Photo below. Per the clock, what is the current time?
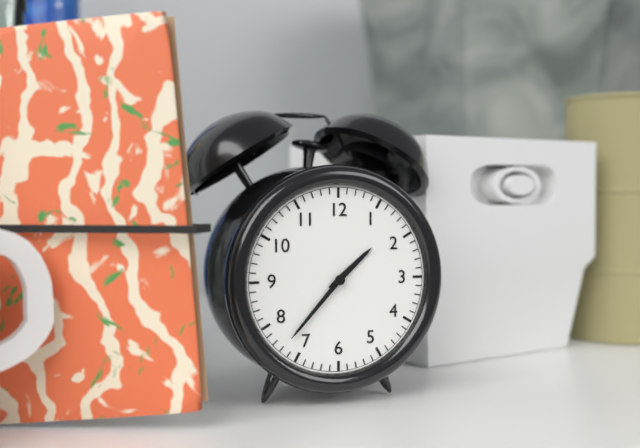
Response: 1:37
